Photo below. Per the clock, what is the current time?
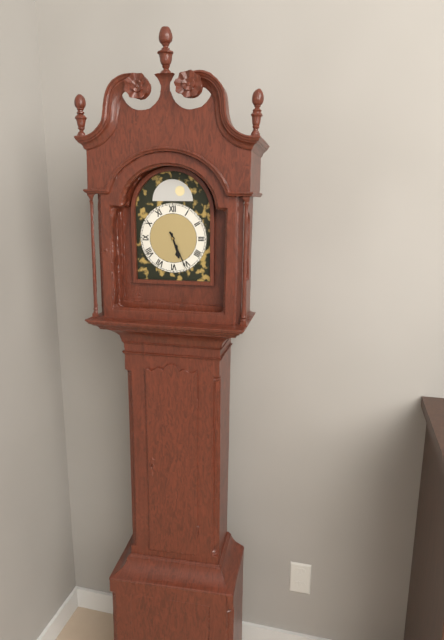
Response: 5:26
